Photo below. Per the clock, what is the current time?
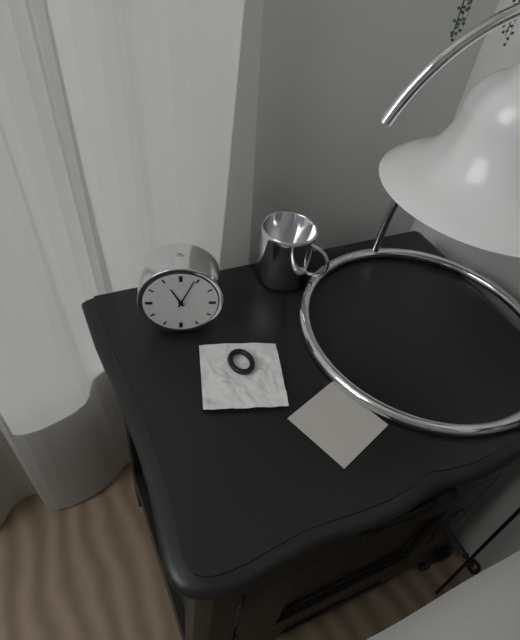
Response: 11:04
